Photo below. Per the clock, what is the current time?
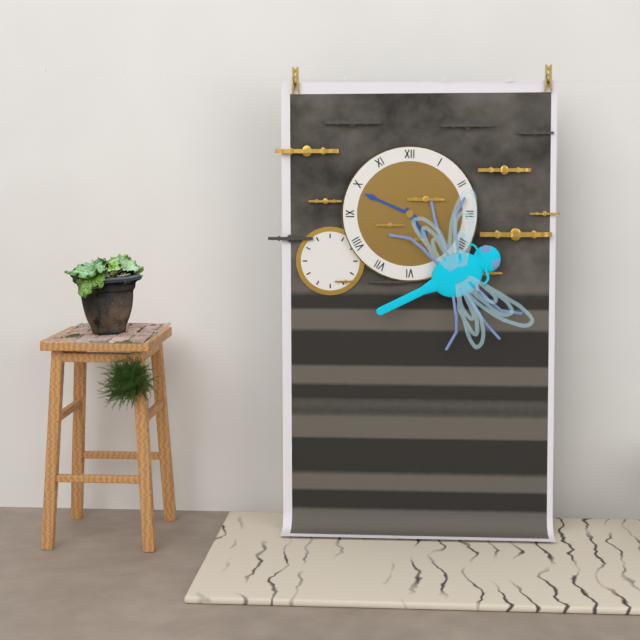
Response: 4:49
